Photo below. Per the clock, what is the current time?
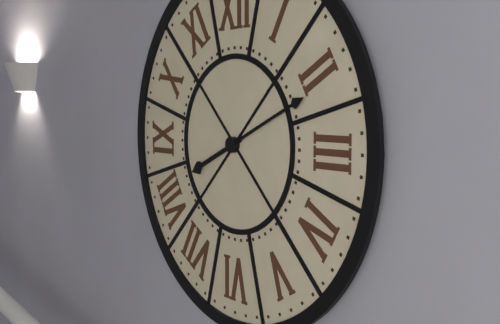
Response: 8:11
